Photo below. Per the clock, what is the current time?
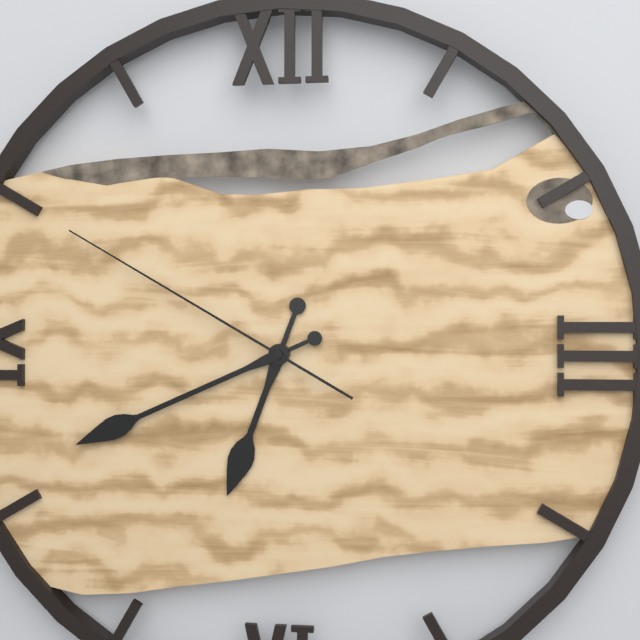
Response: 6:41:50
